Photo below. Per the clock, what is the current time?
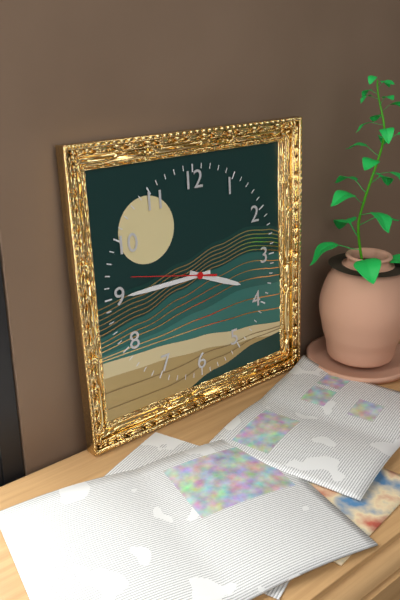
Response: 3:45:47
